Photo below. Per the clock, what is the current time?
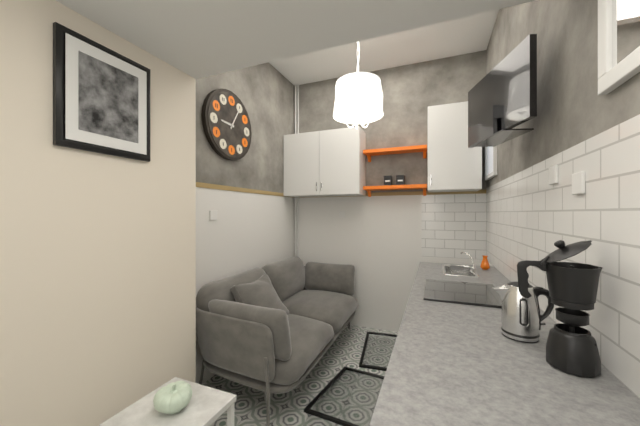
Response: 9:05
